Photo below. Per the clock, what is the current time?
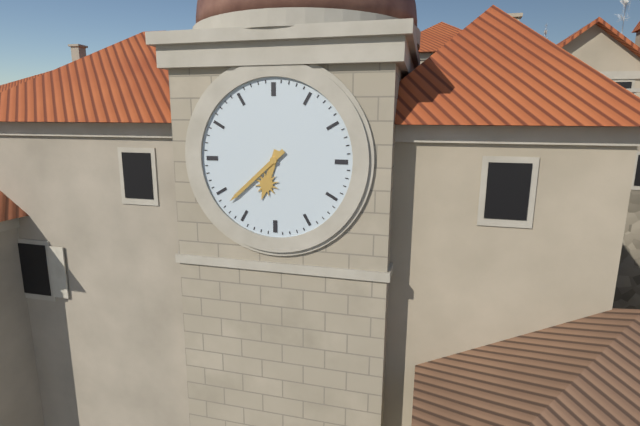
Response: 6:38
